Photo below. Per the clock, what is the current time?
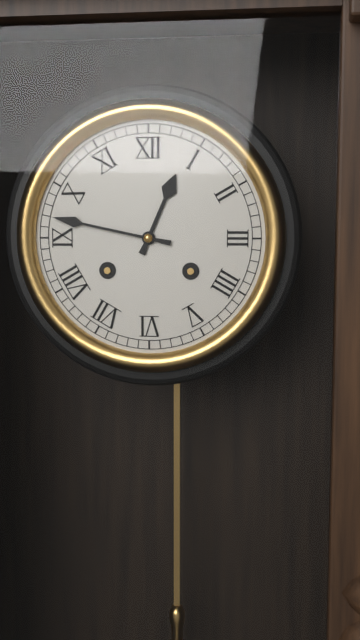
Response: 12:47
